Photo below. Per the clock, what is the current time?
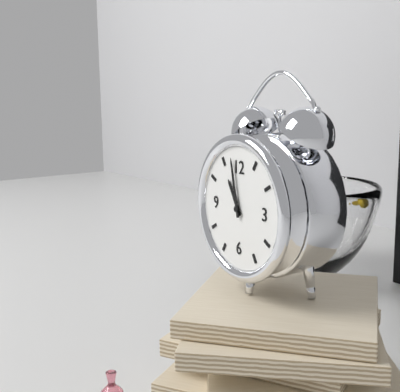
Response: 10:58
